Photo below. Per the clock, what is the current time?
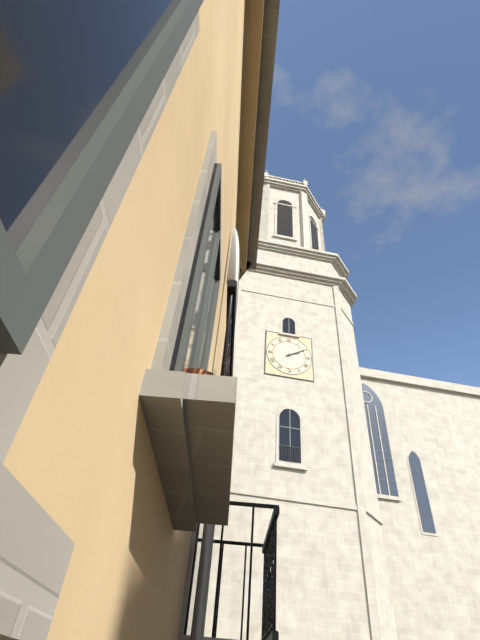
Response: 2:10
